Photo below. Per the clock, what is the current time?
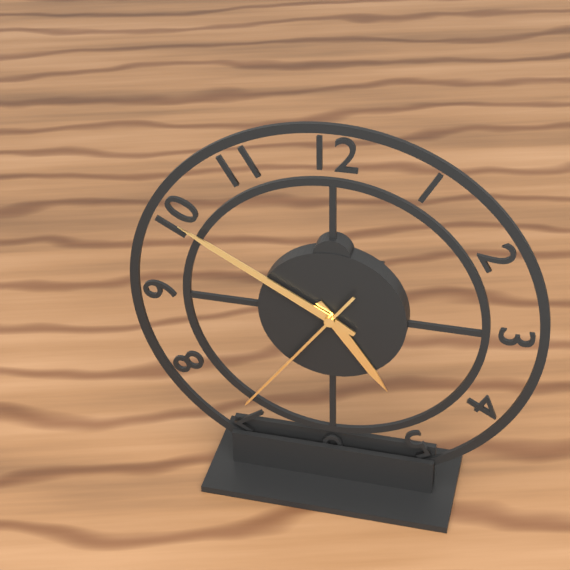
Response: 4:50:36
